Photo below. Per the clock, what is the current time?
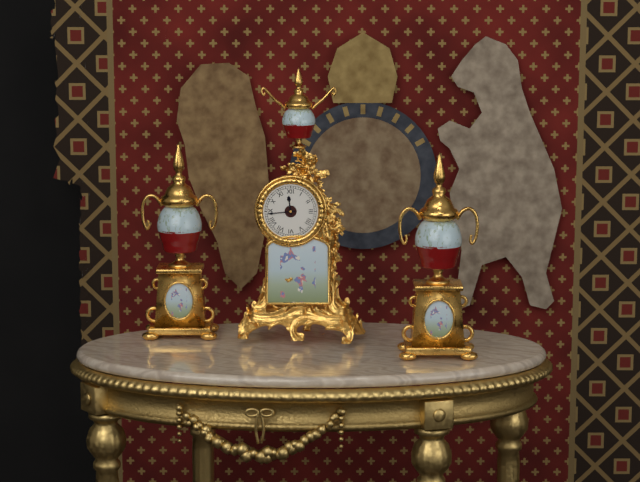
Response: 11:44
